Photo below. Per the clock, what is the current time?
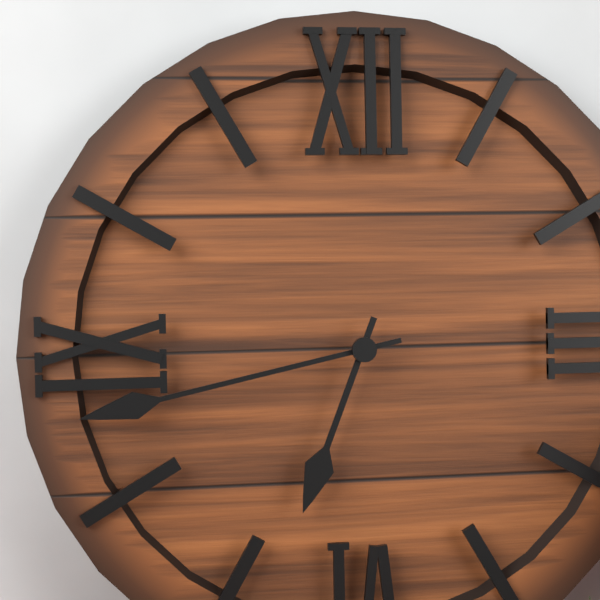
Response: 6:43
